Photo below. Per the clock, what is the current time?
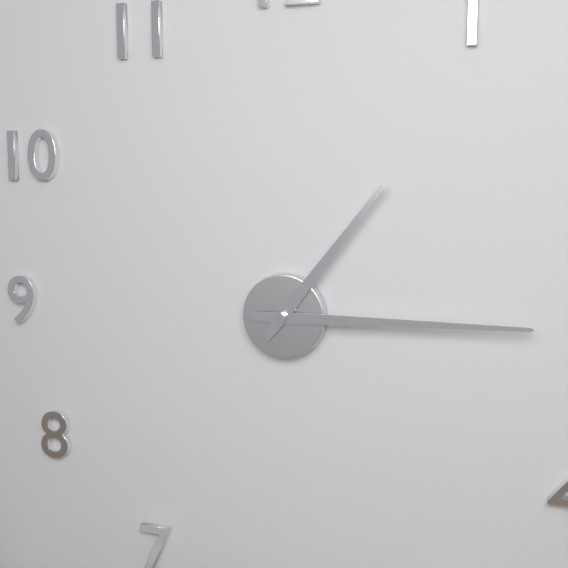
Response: 1:15
